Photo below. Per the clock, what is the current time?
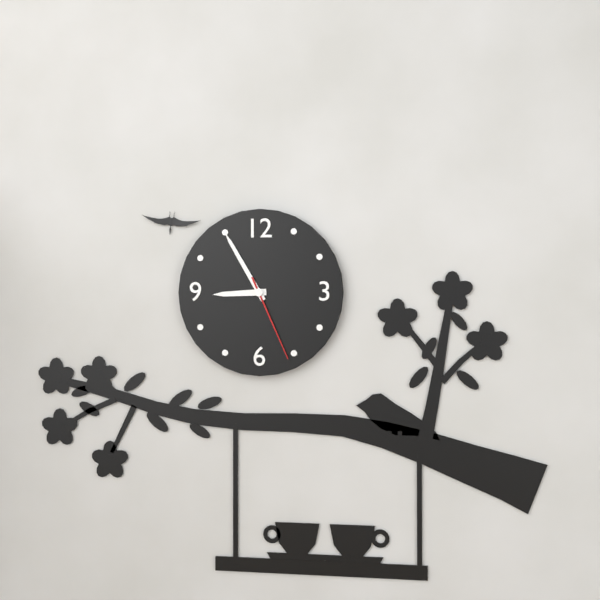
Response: 8:55:26
